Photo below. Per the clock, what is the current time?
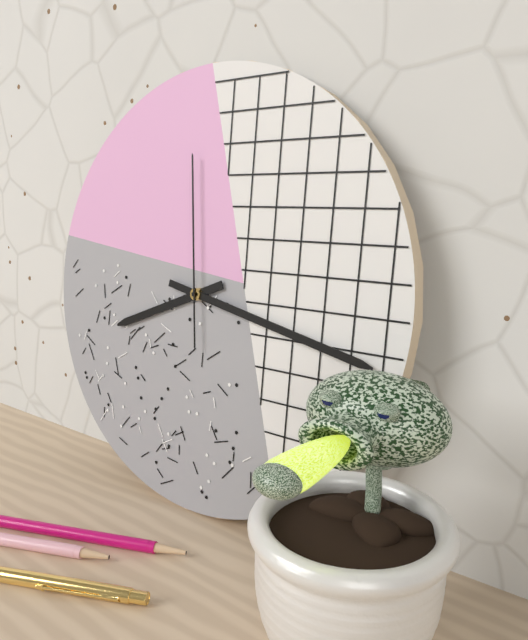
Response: 8:17:59
